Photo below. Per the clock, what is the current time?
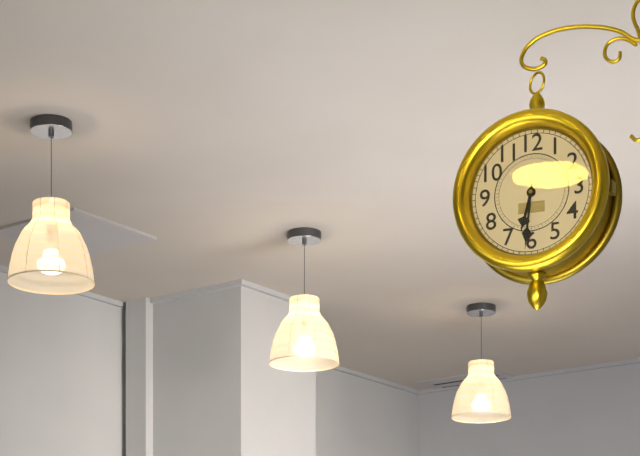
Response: 6:31
